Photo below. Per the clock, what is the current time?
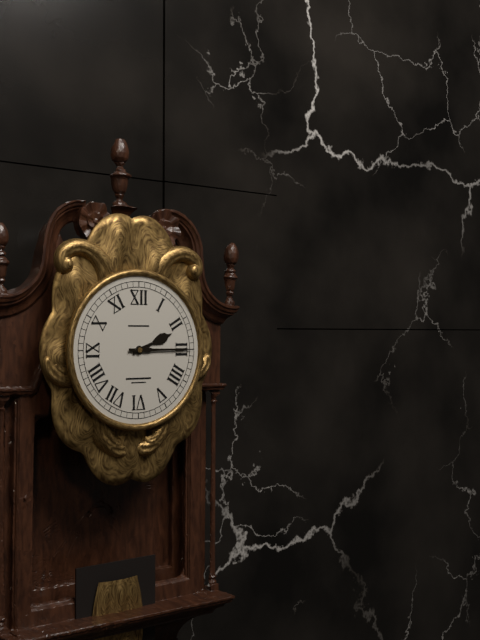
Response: 2:15
